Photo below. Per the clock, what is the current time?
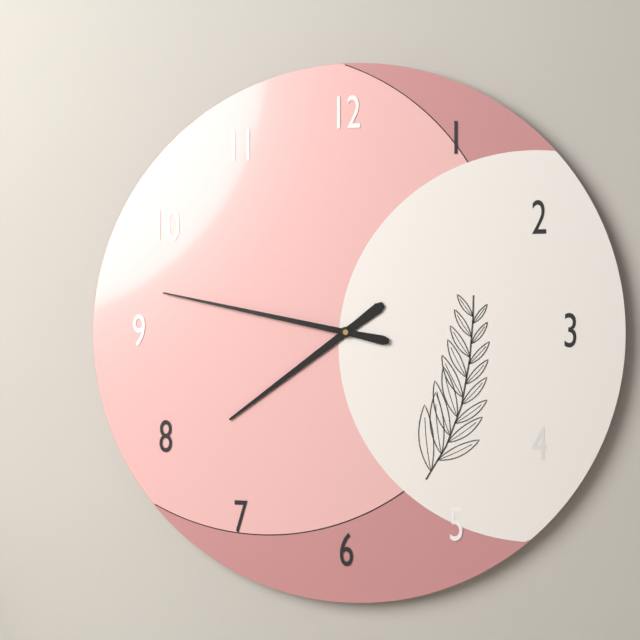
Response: 7:47
